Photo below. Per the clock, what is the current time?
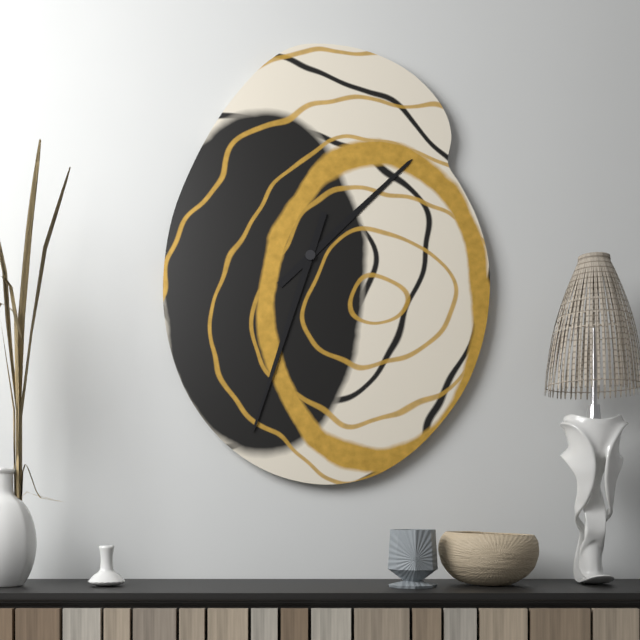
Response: 1:33
